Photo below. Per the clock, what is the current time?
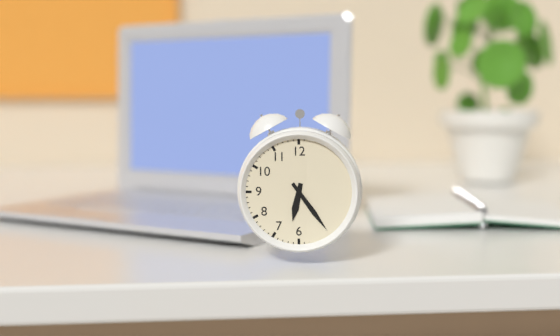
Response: 6:24
